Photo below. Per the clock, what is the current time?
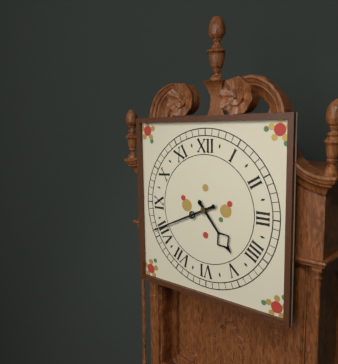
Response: 4:41
